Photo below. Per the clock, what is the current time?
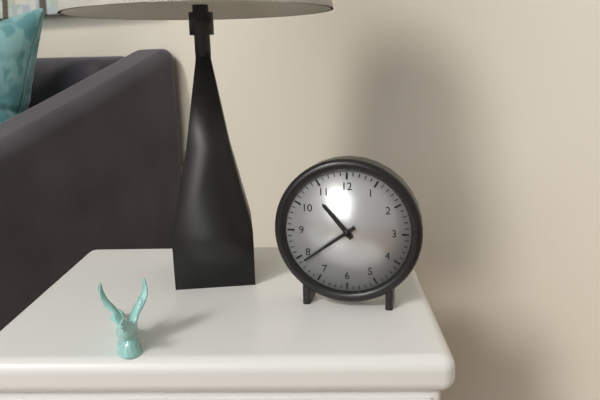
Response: 10:39
